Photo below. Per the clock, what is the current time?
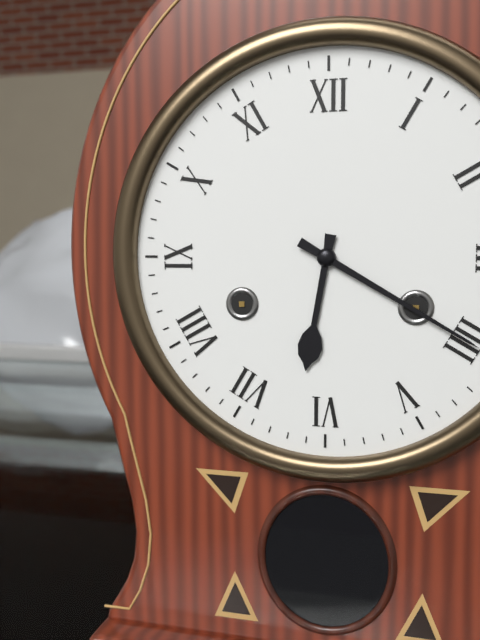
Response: 6:20
